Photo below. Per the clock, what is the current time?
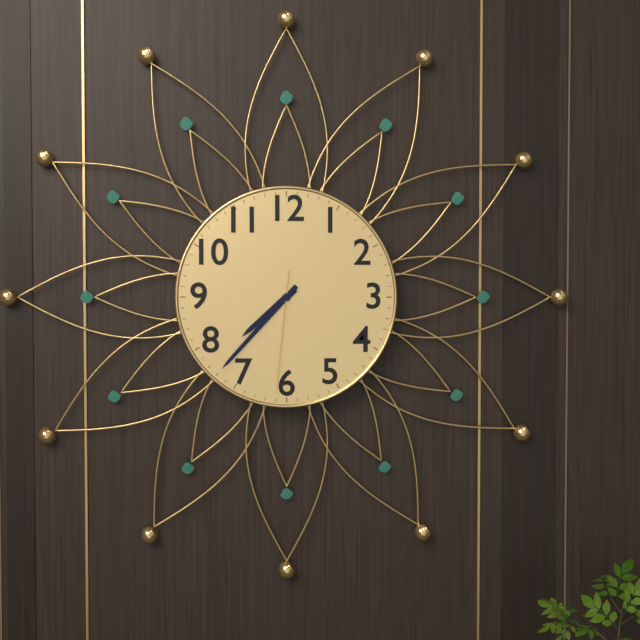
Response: 7:37:31
